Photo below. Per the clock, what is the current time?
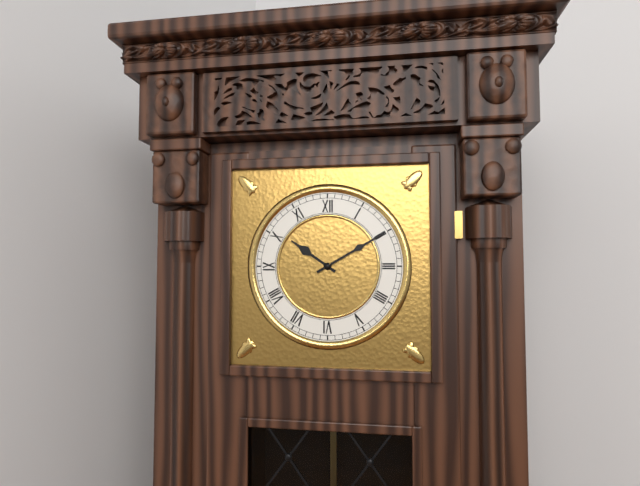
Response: 10:10
